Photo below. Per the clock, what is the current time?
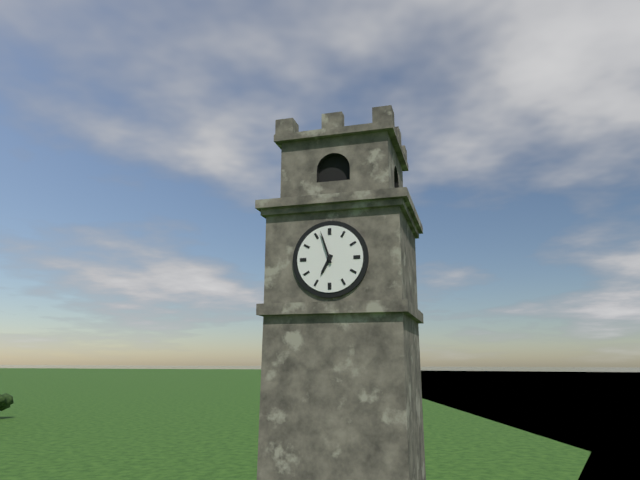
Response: 6:57
